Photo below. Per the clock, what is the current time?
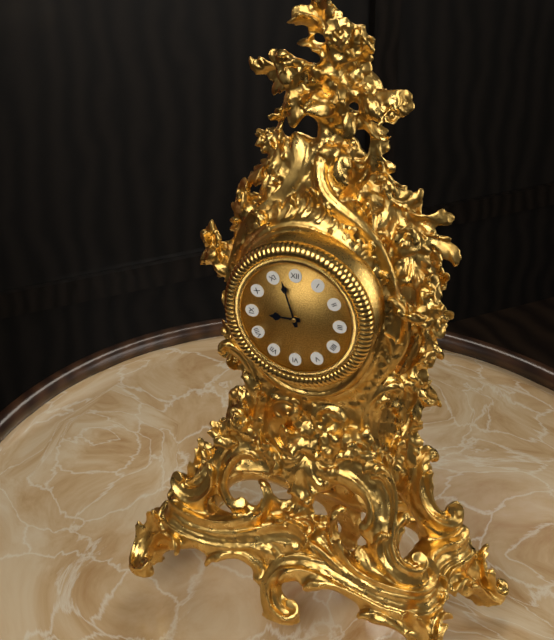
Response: 8:57
